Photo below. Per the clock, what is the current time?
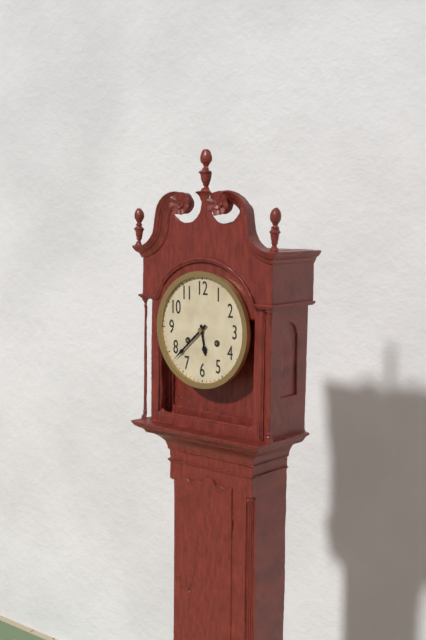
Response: 5:38
